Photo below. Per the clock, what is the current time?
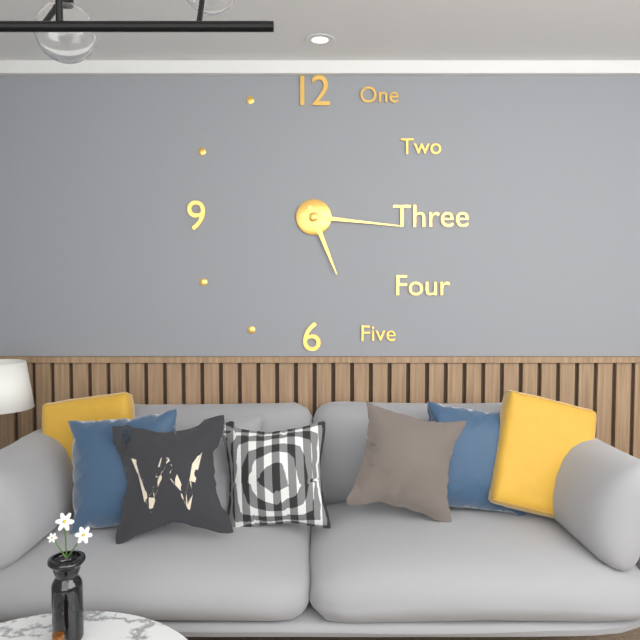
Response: 5:16
